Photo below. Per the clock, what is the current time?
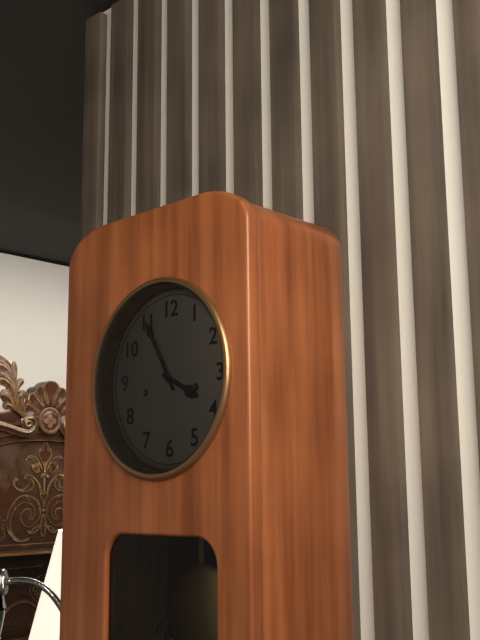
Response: 3:55
